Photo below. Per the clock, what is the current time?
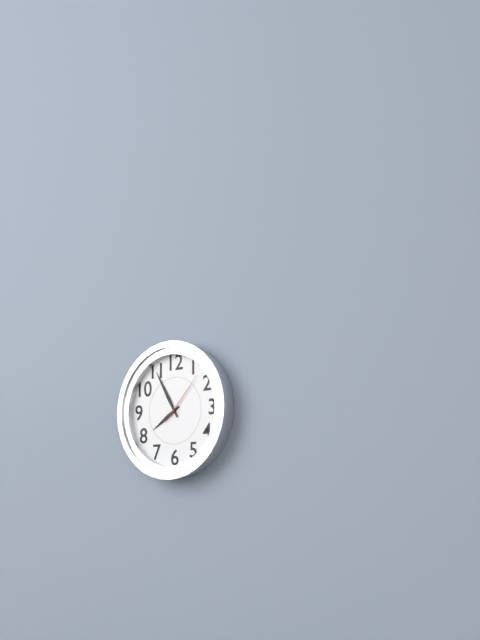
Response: 7:55:07
